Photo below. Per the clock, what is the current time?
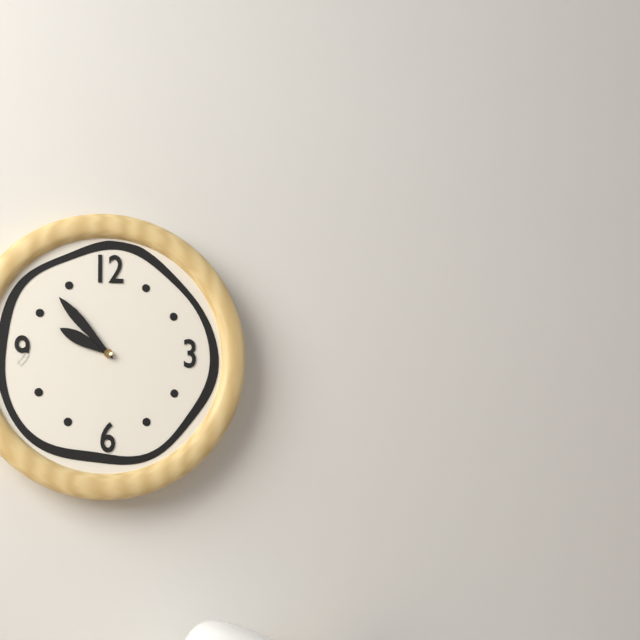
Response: 9:53
